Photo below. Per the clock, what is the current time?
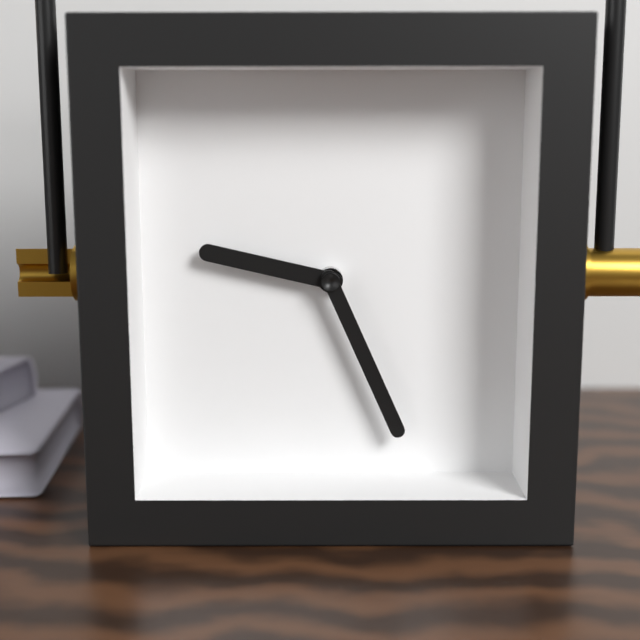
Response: 9:26
